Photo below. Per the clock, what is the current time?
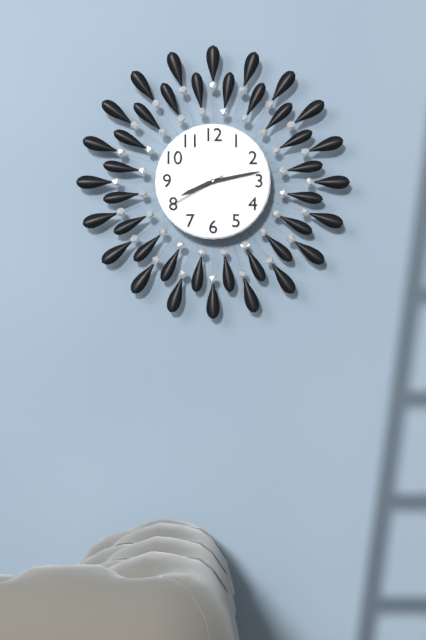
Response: 8:13:40
